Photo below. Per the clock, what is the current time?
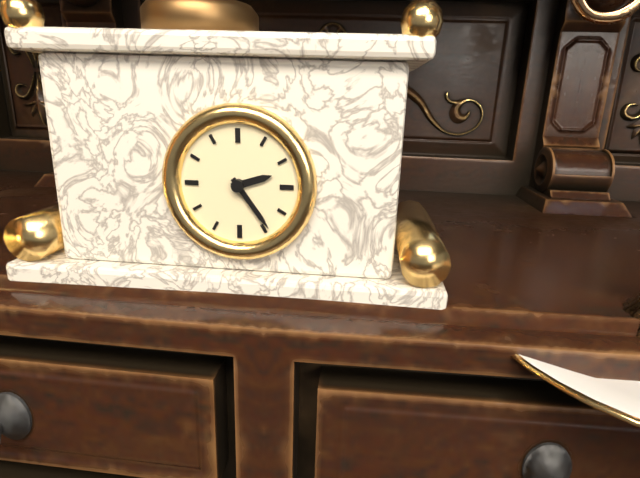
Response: 2:24
